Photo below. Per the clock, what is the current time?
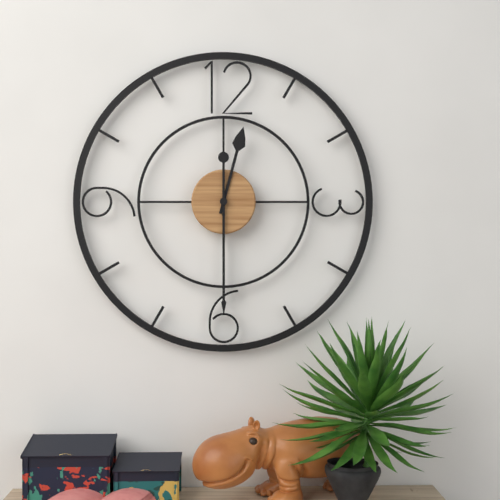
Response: 12:30
